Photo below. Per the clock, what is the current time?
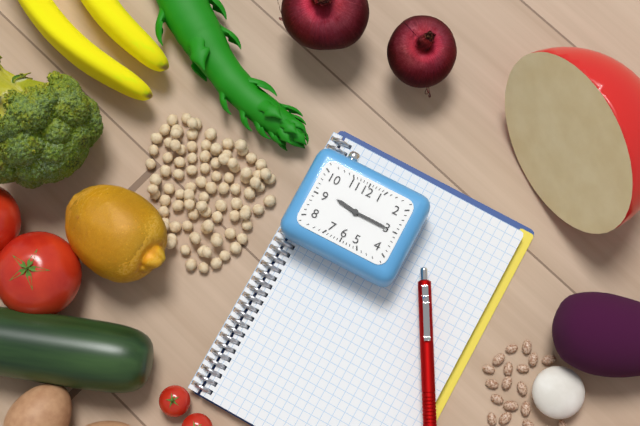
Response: 9:15
